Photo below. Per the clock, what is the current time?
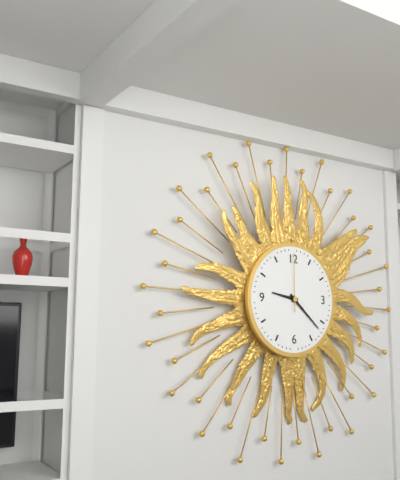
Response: 9:22:00
